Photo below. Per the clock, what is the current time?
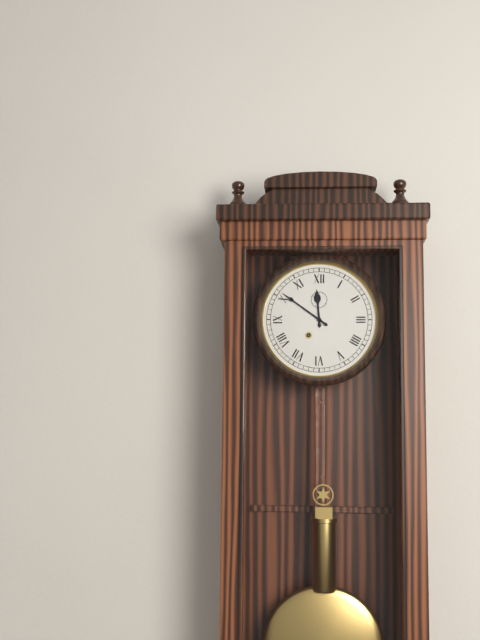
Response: 11:51
